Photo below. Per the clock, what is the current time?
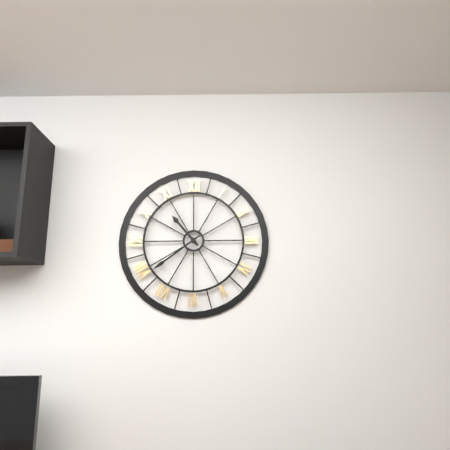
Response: 10:39
